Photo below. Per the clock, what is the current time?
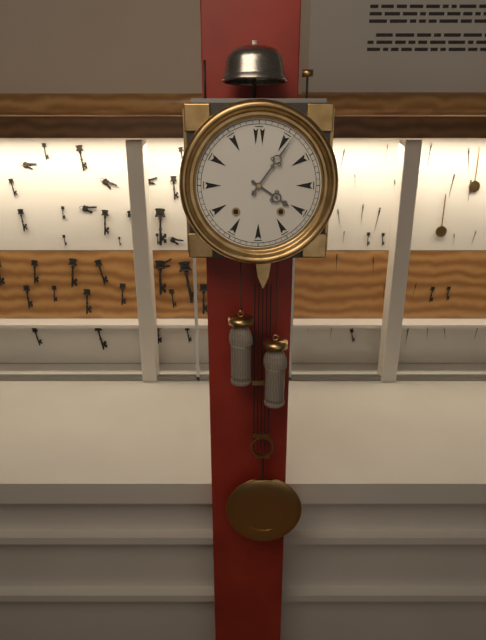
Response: 4:06
